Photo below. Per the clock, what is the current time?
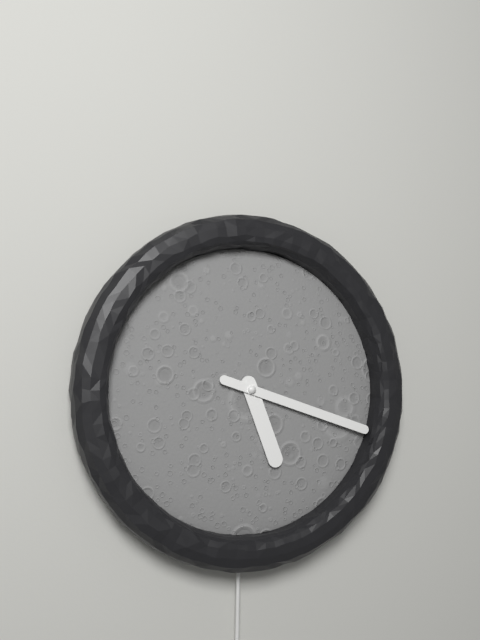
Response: 5:18
